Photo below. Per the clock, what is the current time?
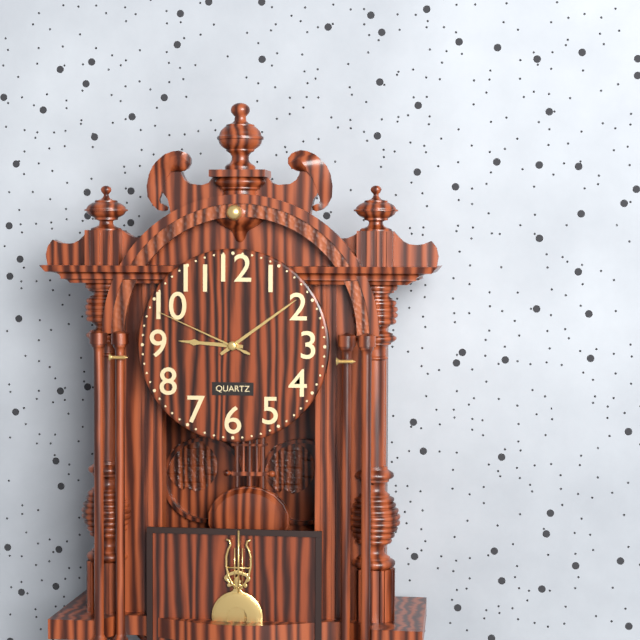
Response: 9:09:49
